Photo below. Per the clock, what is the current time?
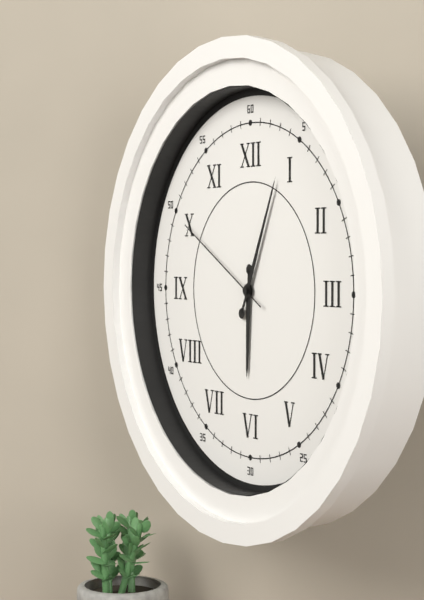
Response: 6:04:50
